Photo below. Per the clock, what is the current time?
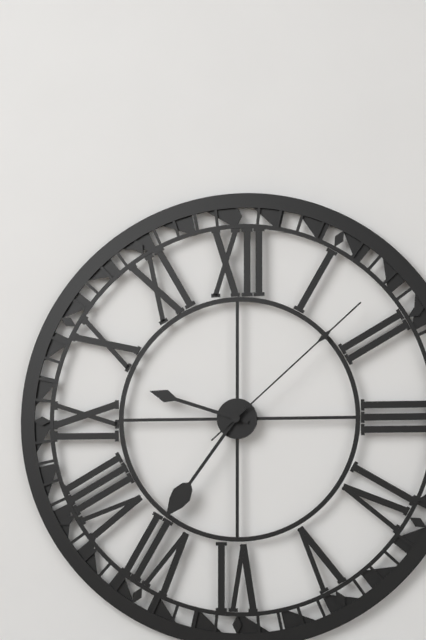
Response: 9:36:08
